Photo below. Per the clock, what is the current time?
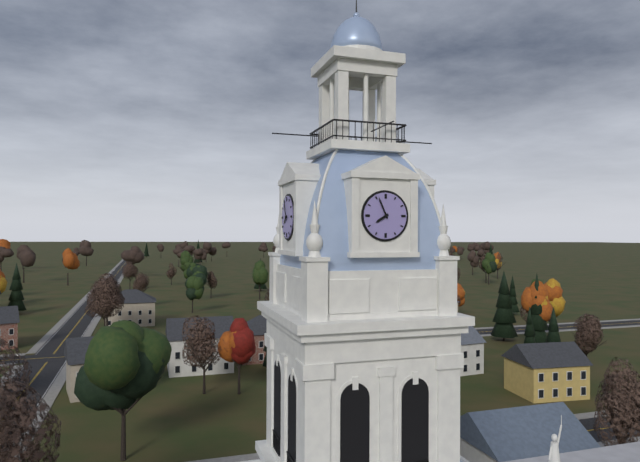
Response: 7:56
